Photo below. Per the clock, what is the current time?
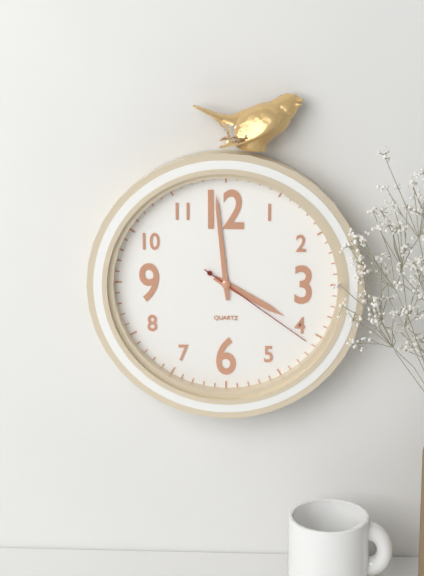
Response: 3:59:21
